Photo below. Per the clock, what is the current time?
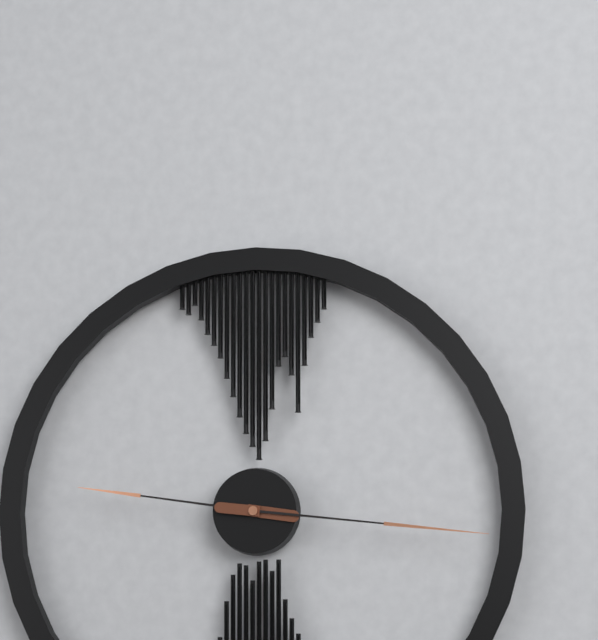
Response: 9:16
